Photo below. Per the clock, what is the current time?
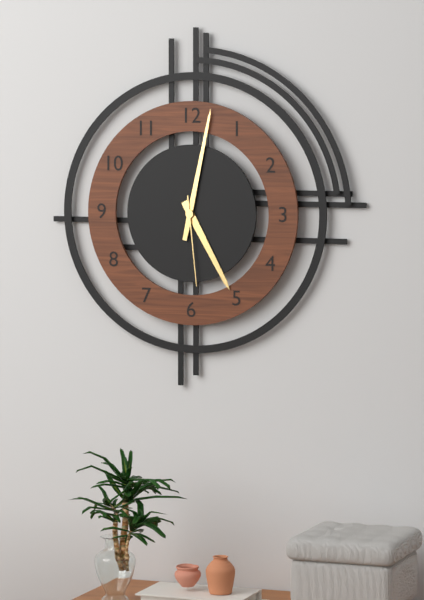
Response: 5:02:29
